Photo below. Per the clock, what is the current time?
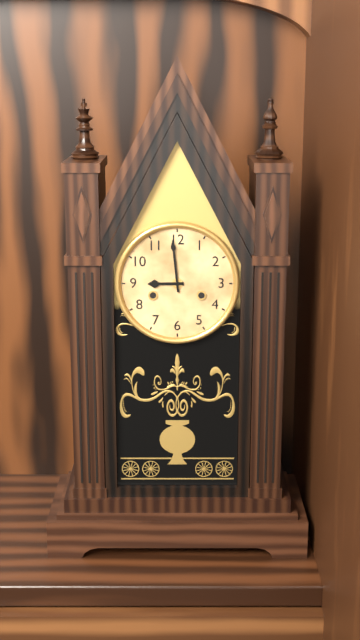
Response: 8:59
